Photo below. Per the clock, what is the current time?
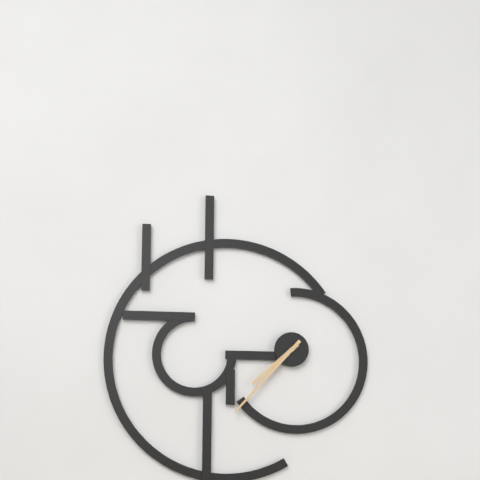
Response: 7:37
